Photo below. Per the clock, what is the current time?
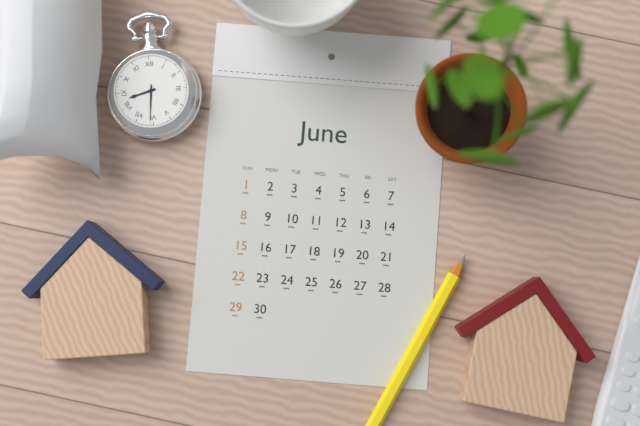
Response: 8:31
